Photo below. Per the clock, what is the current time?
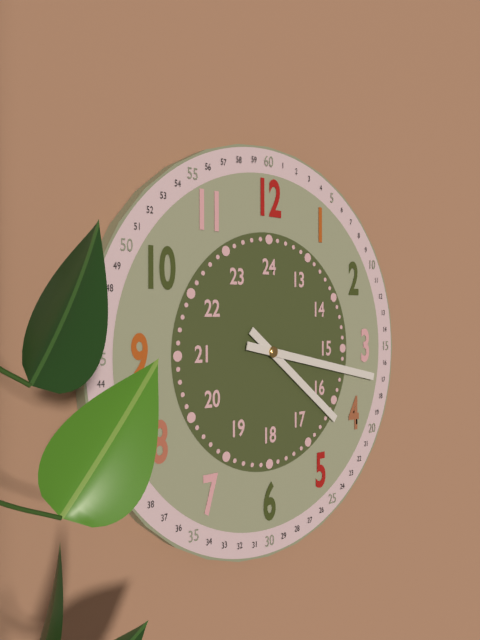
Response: 4:17
